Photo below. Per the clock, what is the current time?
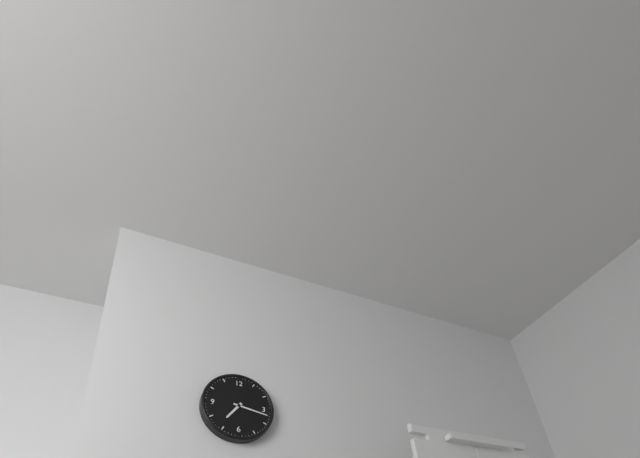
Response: 7:17
